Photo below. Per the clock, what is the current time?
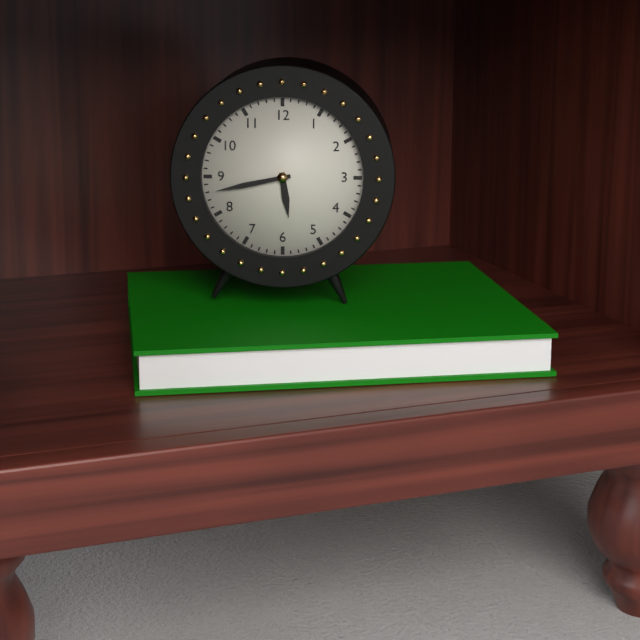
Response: 5:43
